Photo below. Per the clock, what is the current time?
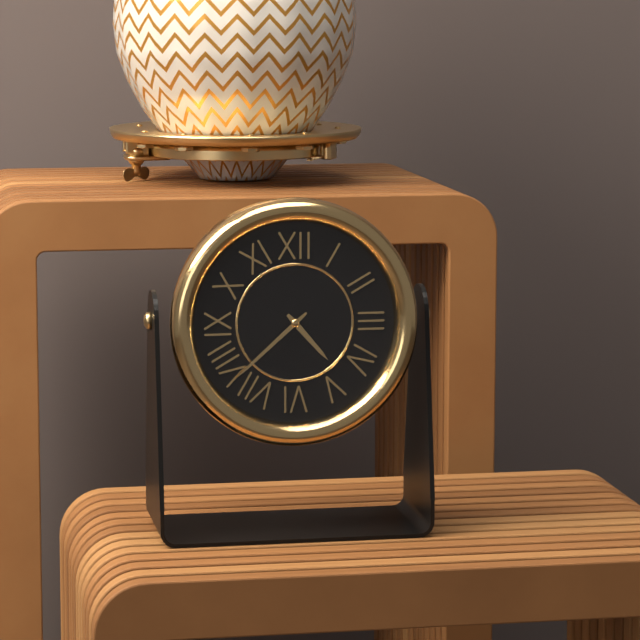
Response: 4:38
